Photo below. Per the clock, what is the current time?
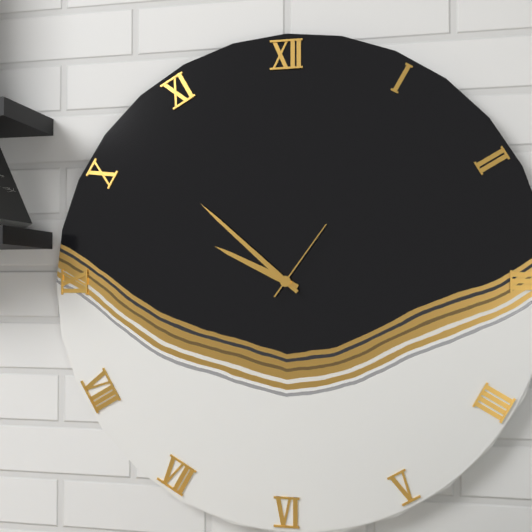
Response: 9:52:06
